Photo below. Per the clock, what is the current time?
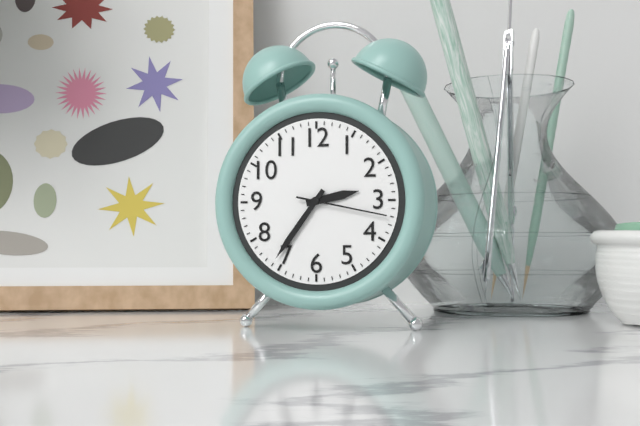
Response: 2:36:17
